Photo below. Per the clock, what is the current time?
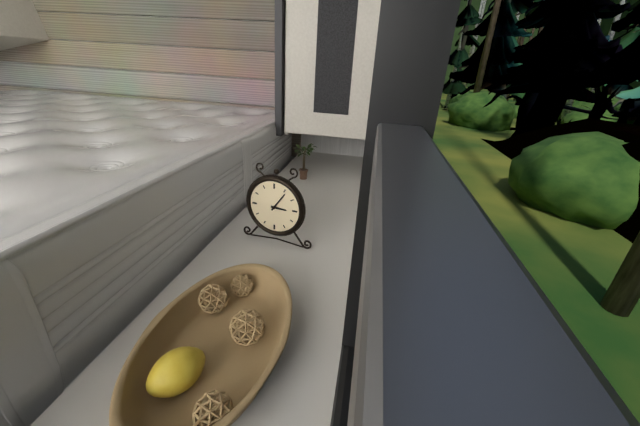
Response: 3:06
